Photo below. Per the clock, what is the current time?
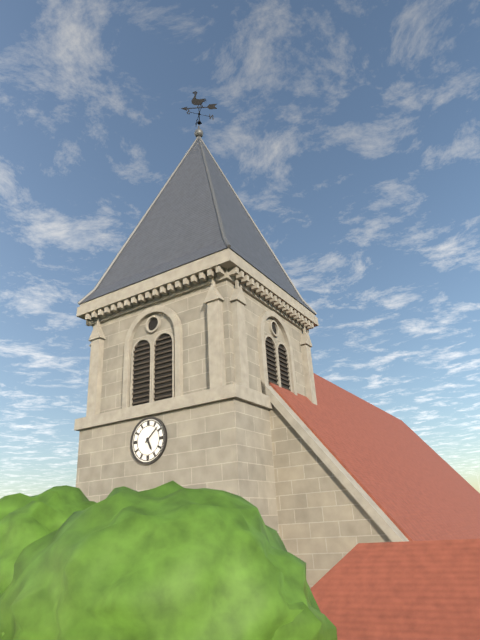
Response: 5:08
